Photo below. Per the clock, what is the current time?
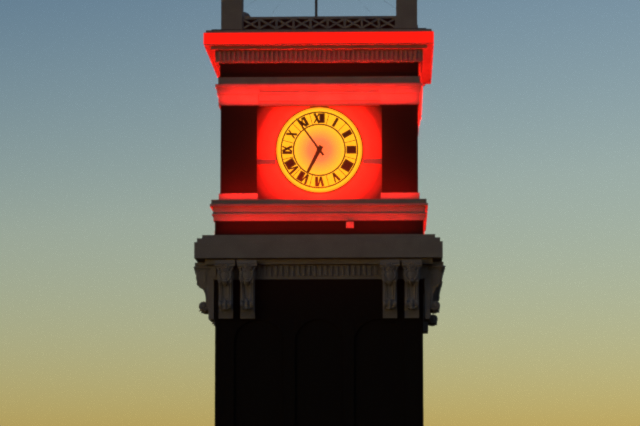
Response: 6:54
